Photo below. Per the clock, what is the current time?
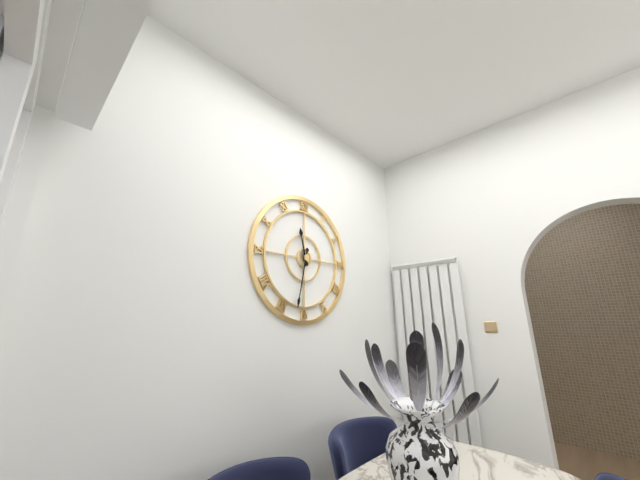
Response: 11:32
